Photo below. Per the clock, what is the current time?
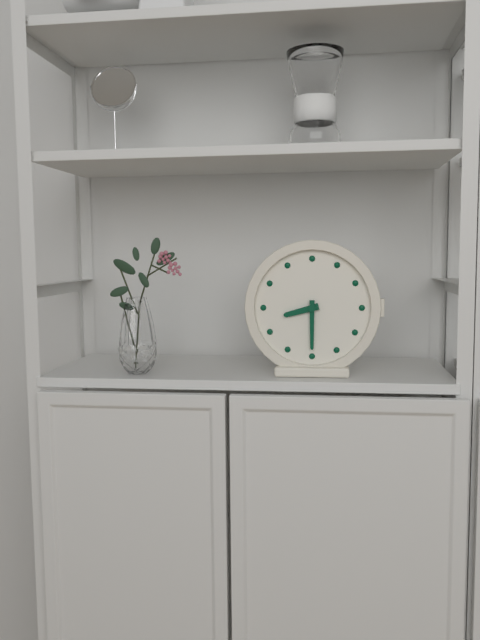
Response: 8:30
